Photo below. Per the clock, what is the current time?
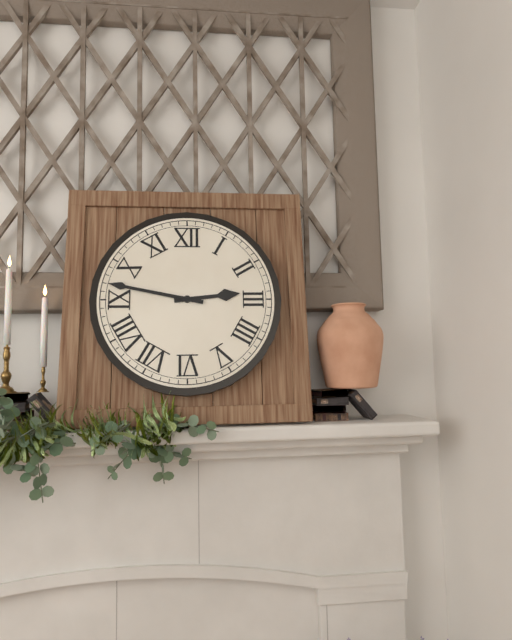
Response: 2:47
